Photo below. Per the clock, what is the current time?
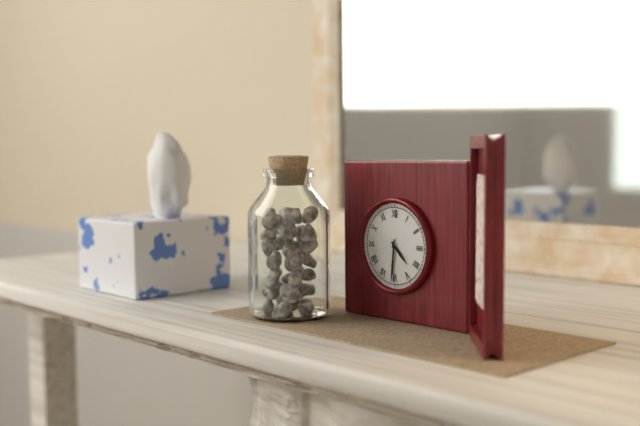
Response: 4:31
